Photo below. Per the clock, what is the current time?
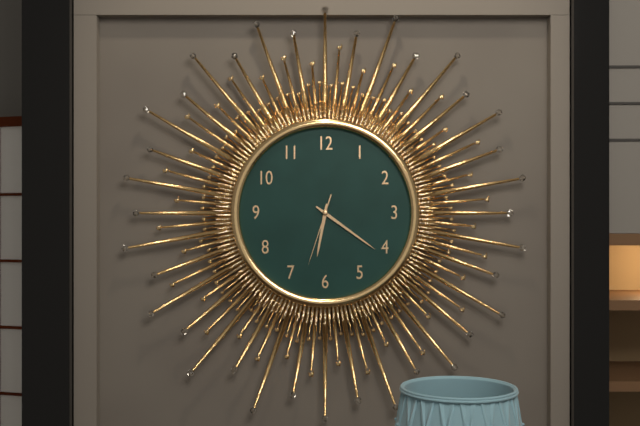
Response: 6:21:33
